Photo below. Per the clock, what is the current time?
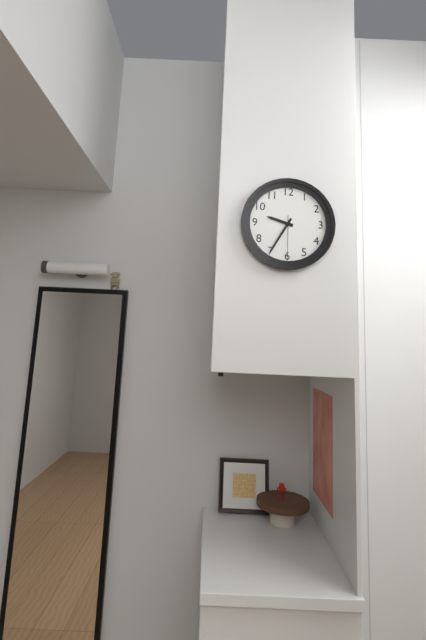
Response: 9:35
